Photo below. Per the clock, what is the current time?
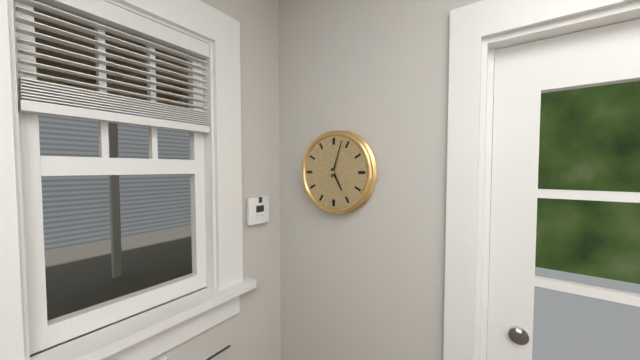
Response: 5:03
